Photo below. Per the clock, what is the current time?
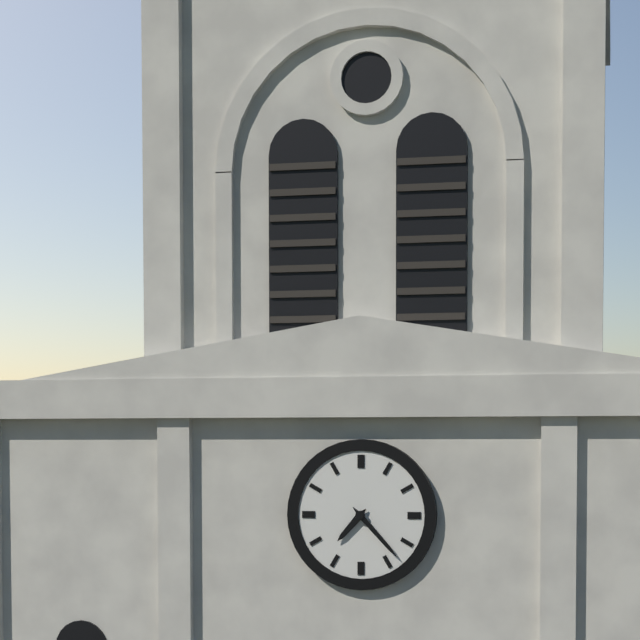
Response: 7:23
